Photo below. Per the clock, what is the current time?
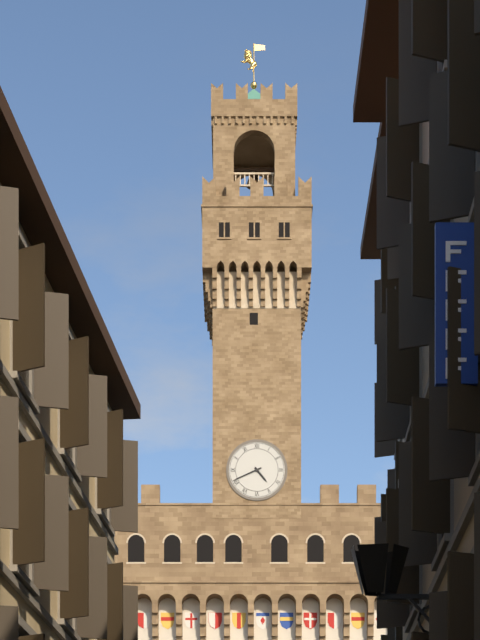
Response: 4:41
